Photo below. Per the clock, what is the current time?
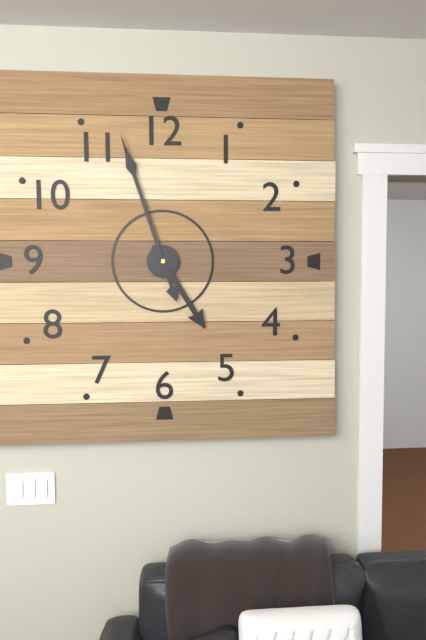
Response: 4:57
